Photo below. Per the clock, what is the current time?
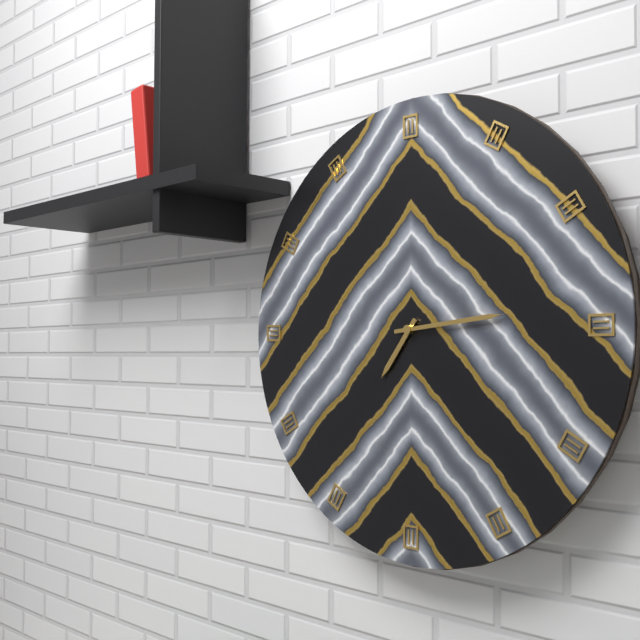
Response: 7:14
